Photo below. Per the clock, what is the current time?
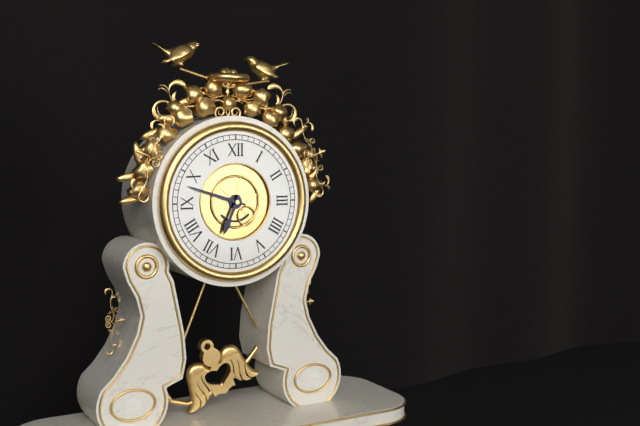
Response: 6:48
